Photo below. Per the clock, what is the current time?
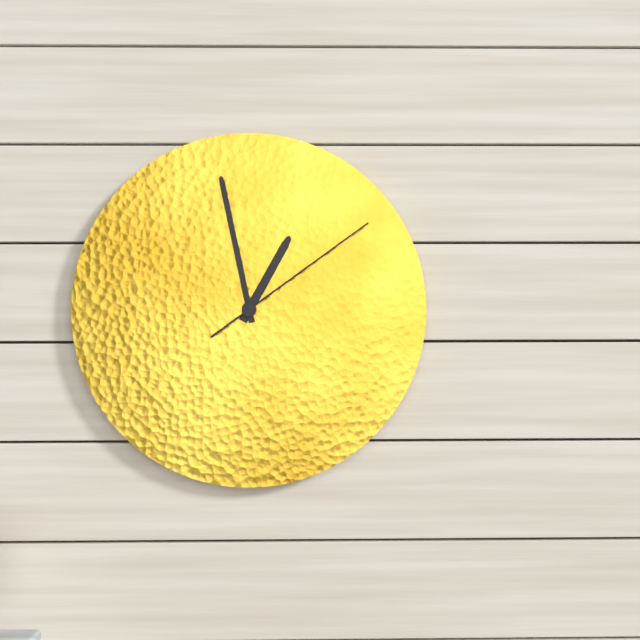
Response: 12:58:09
